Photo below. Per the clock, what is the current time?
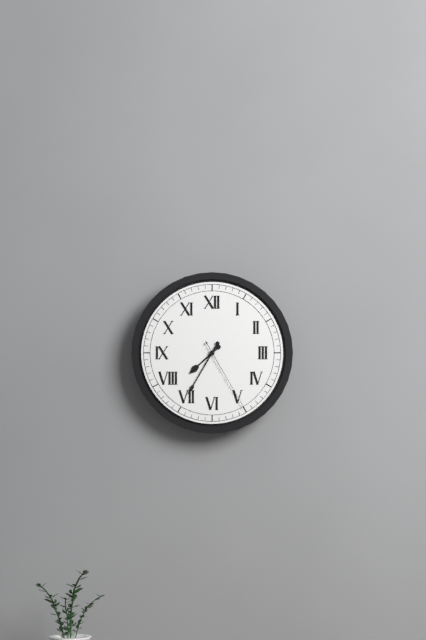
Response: 7:35:25
